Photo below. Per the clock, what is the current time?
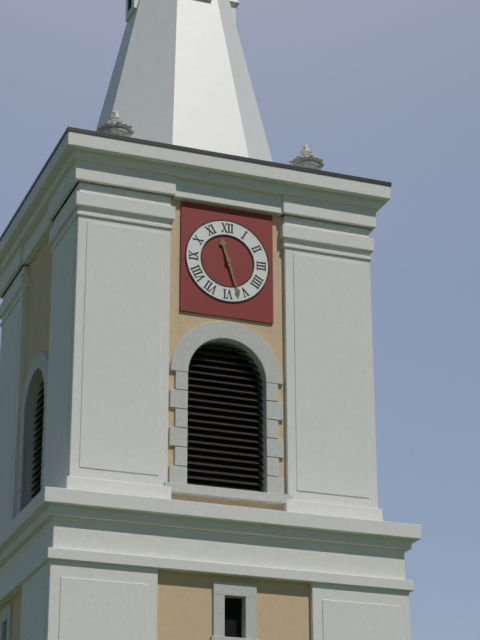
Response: 11:27
